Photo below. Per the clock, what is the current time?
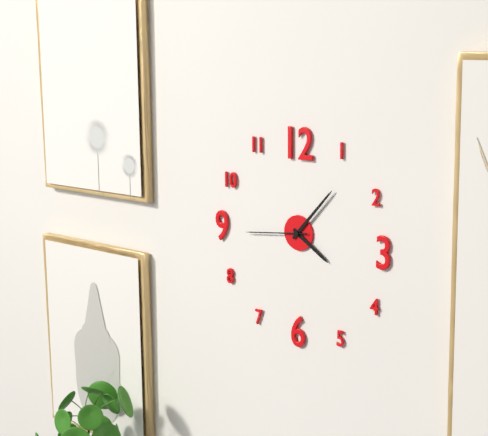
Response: 4:07:44
